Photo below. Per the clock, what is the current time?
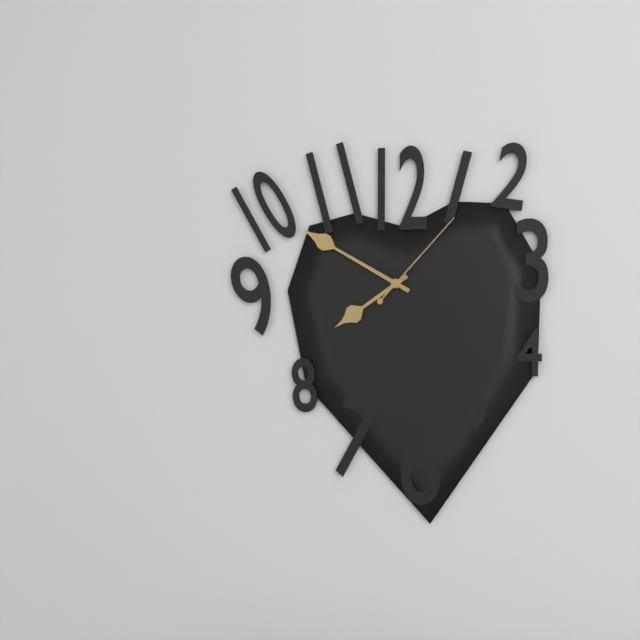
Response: 7:50:07
